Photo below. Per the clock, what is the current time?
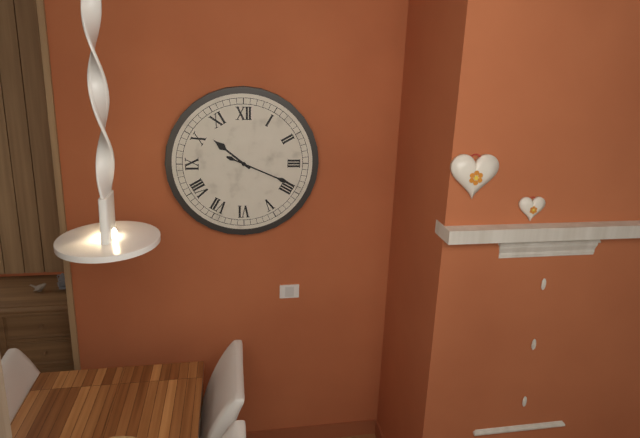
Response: 10:19
